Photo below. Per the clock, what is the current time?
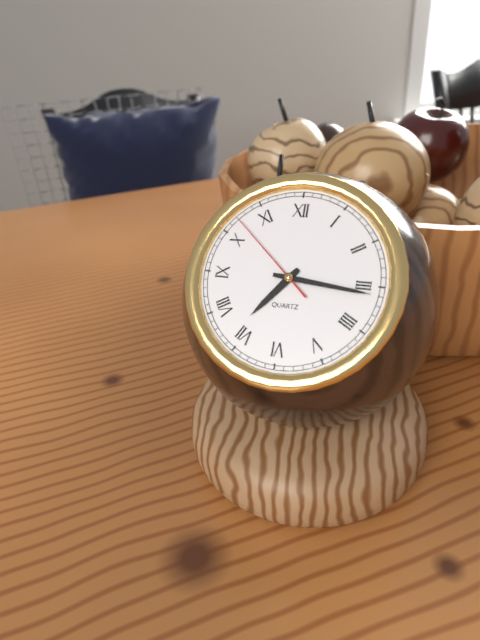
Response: 7:16:52
